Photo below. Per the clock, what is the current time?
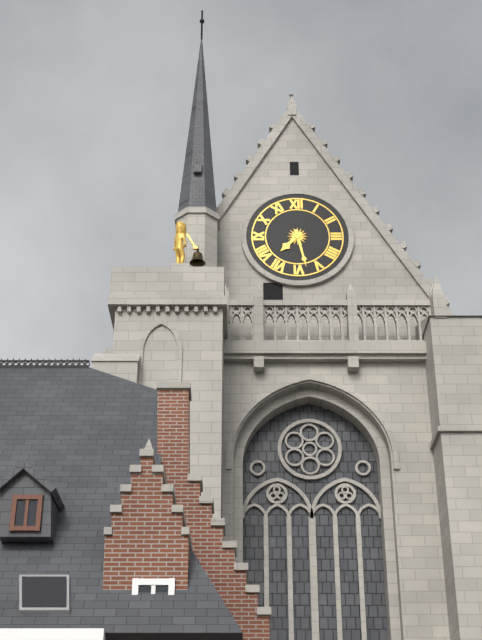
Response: 7:28
